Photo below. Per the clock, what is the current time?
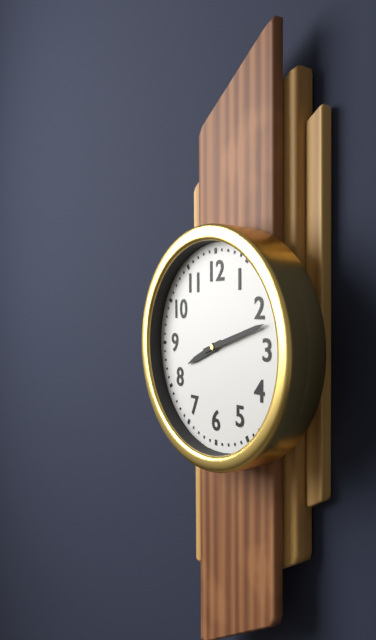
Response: 8:12
